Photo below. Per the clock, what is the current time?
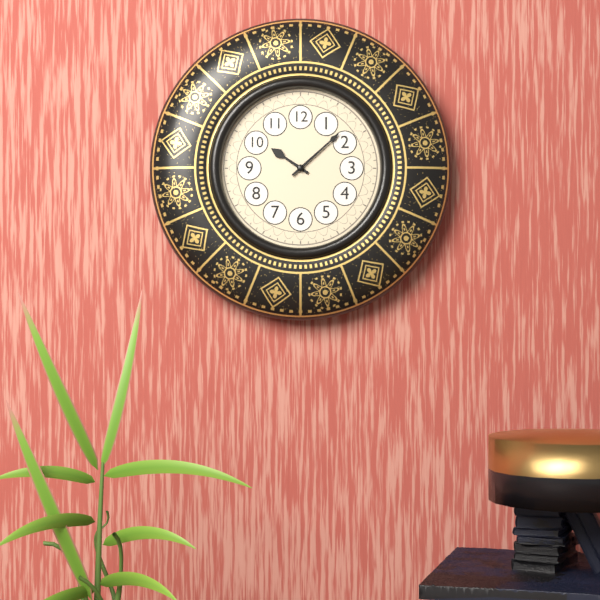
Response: 10:08
